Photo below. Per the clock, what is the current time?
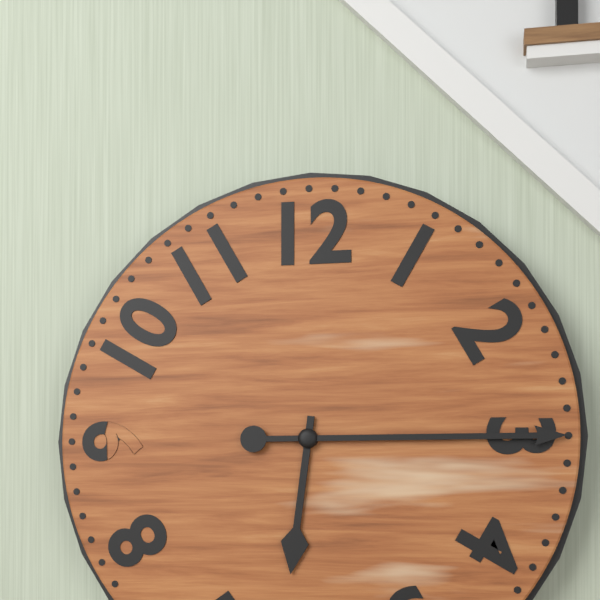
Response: 6:15
